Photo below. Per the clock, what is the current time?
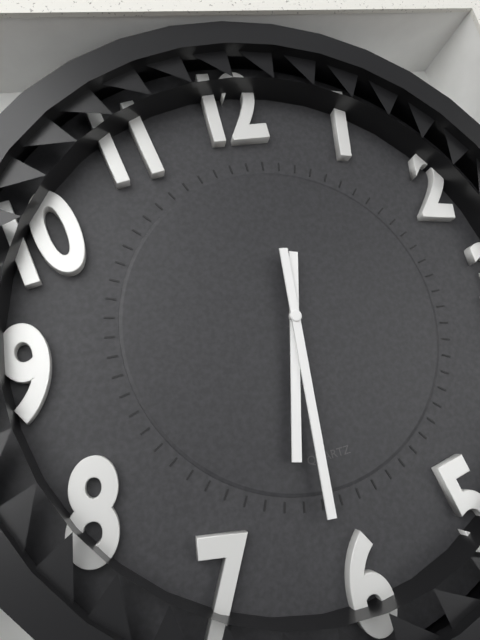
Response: 6:31
